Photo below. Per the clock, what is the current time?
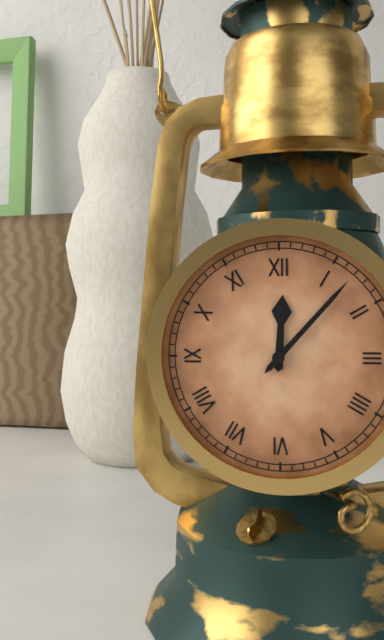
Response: 12:07
